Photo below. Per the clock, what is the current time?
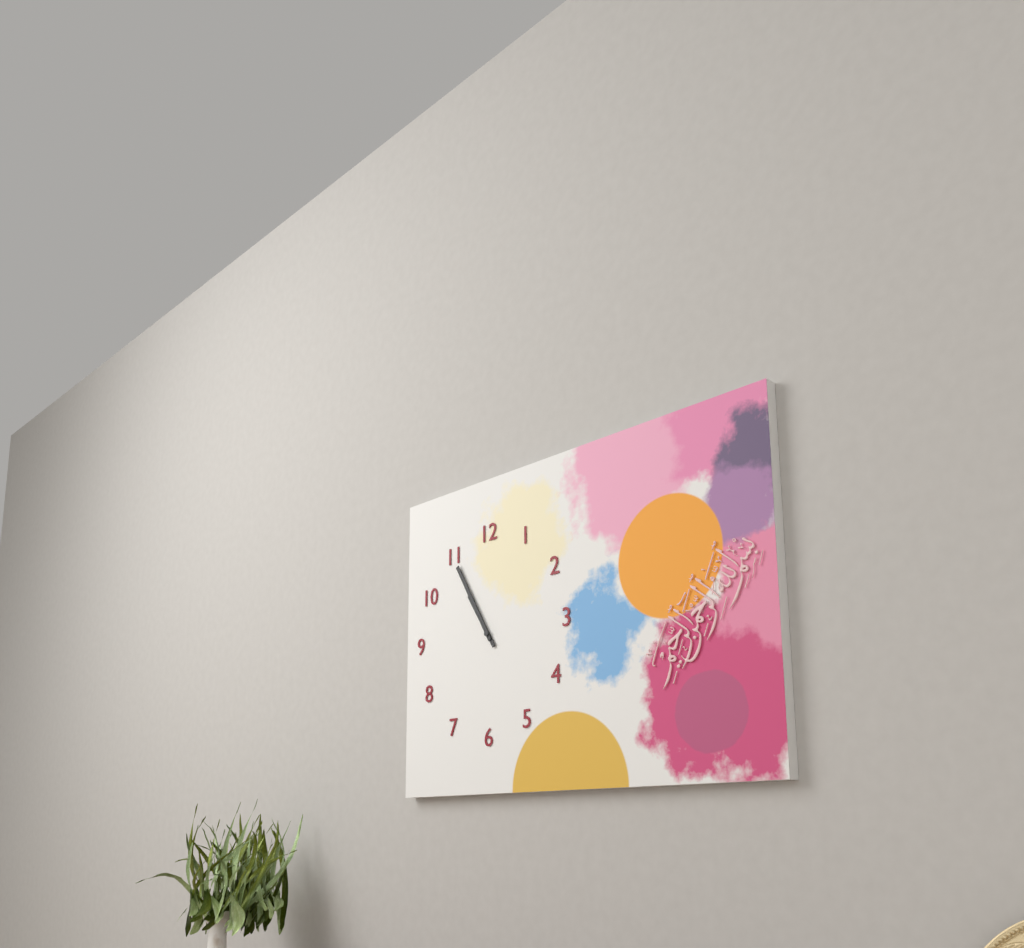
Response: 10:55
